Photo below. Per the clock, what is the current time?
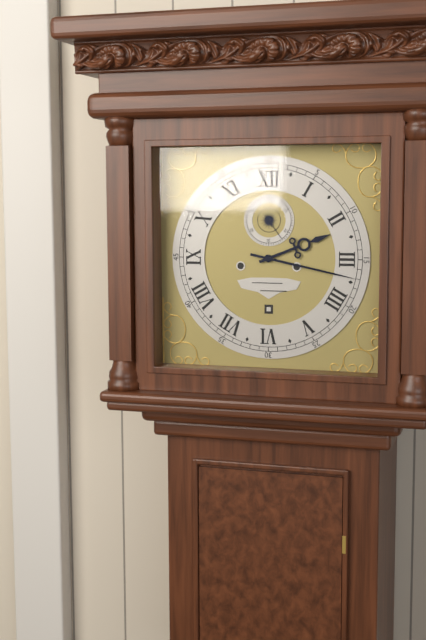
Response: 2:17
